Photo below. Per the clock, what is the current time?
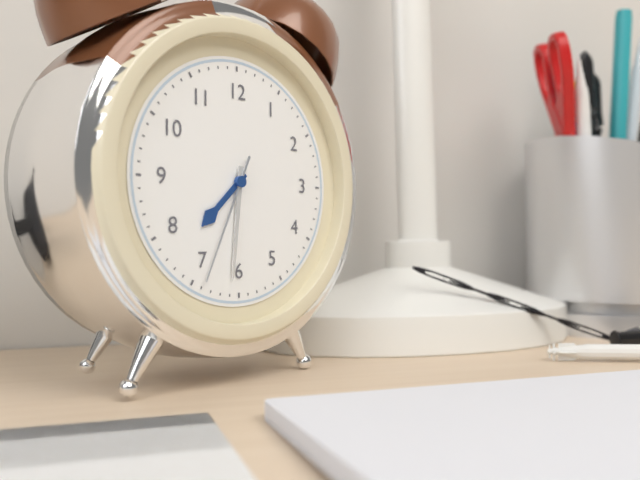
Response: 7:31:34
